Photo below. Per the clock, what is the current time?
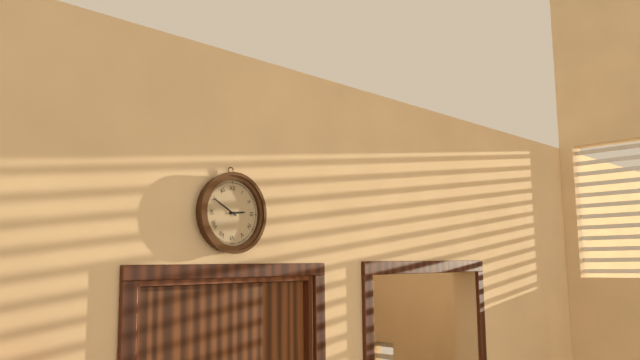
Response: 2:50
